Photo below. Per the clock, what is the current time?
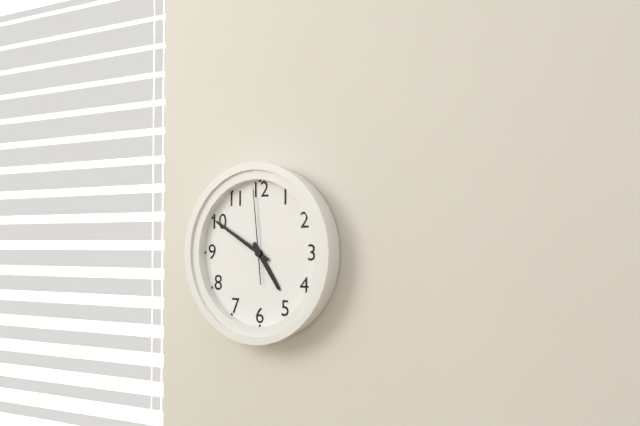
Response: 4:50:59
